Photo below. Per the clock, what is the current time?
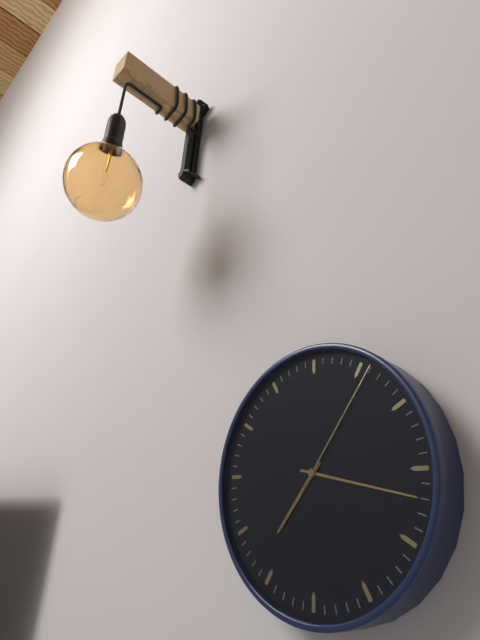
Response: 7:17:06
